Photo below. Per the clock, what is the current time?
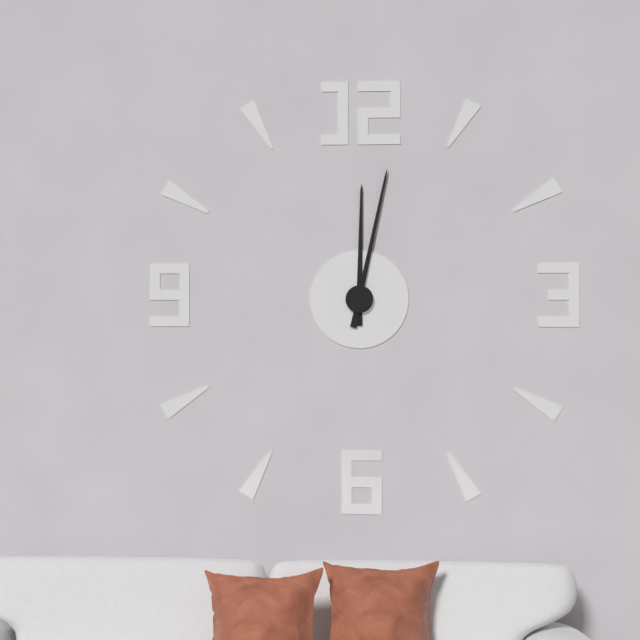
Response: 12:02
